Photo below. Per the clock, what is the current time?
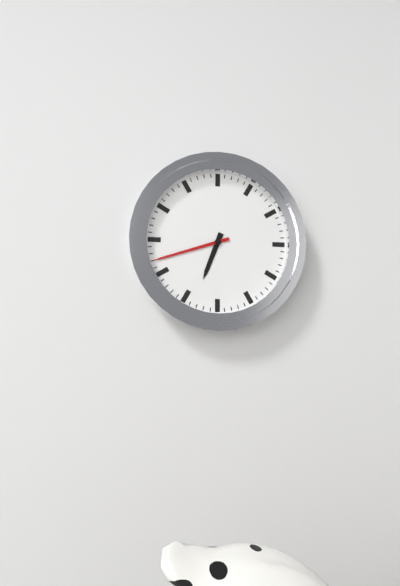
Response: 6:42
